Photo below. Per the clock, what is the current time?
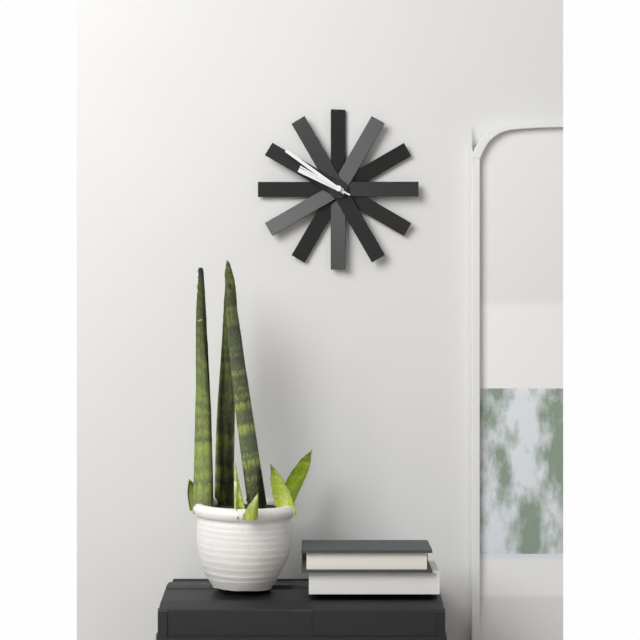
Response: 9:51:50
